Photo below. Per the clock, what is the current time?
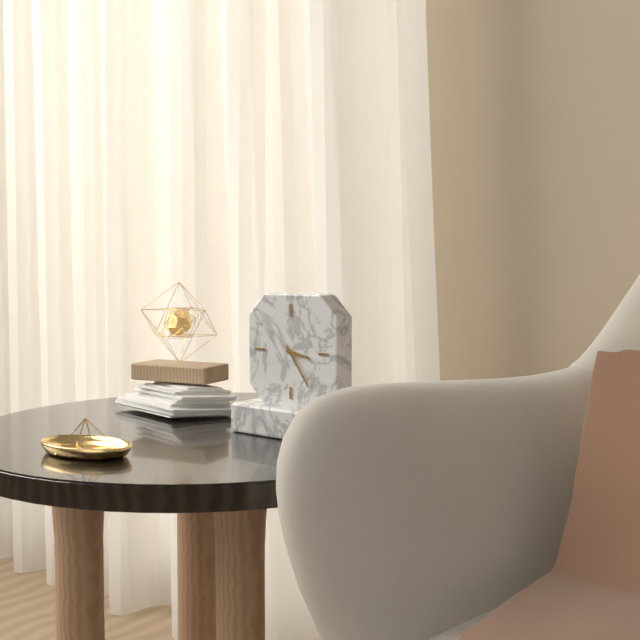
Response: 3:24
